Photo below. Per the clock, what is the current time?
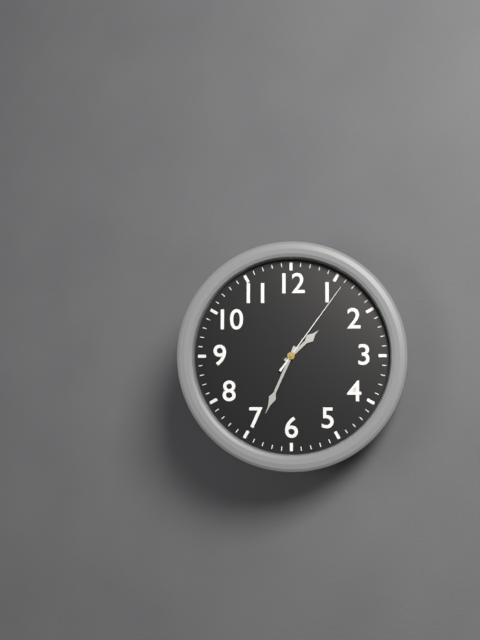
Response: 1:34:06
